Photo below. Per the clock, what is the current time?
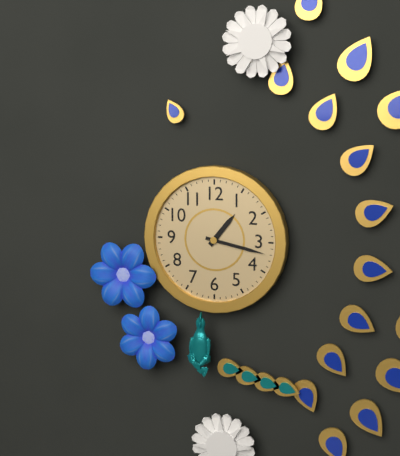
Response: 1:17
